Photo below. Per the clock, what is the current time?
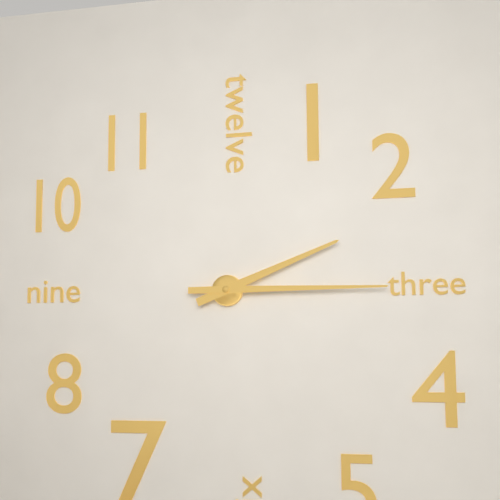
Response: 2:15
